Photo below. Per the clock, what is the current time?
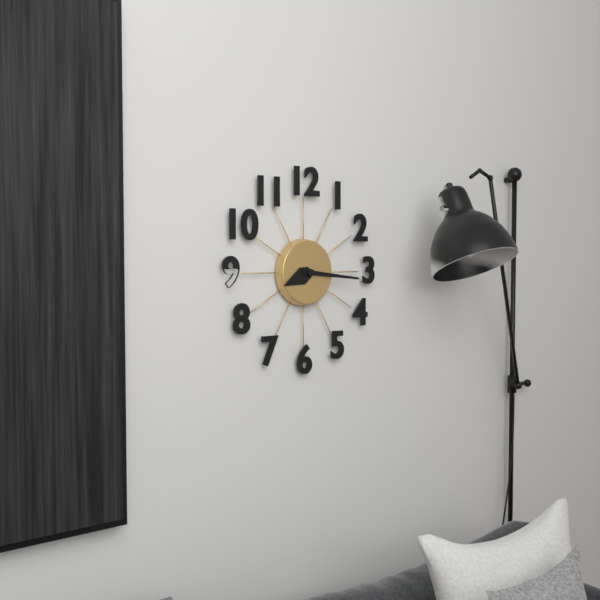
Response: 8:16
